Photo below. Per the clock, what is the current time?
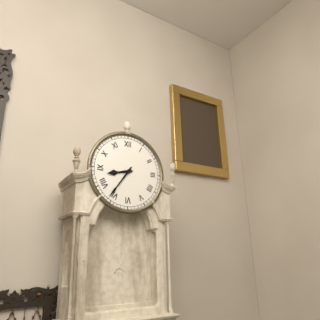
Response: 8:36
